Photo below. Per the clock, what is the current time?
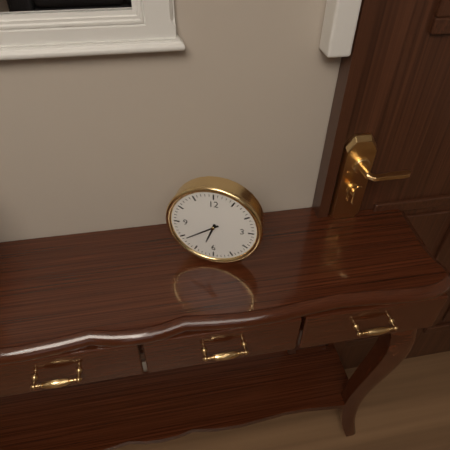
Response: 6:39
